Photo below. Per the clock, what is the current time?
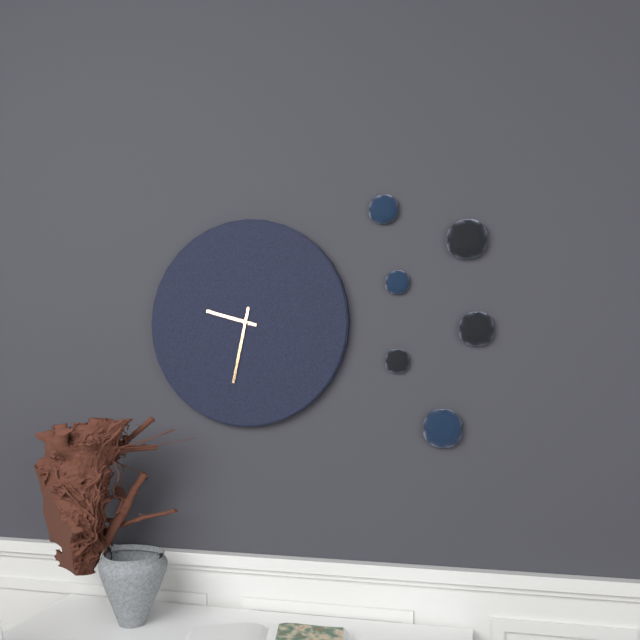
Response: 9:32
